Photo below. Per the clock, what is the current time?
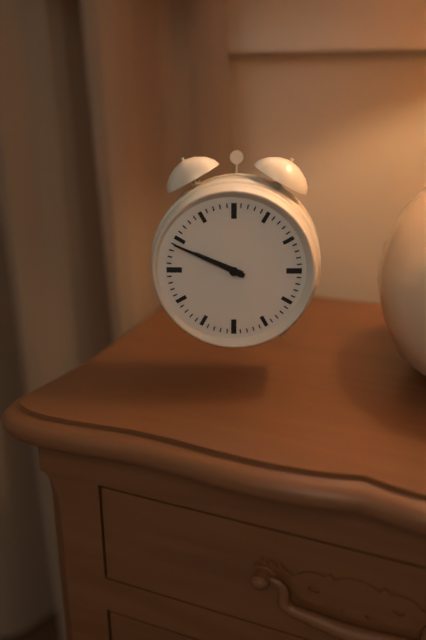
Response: 9:49
